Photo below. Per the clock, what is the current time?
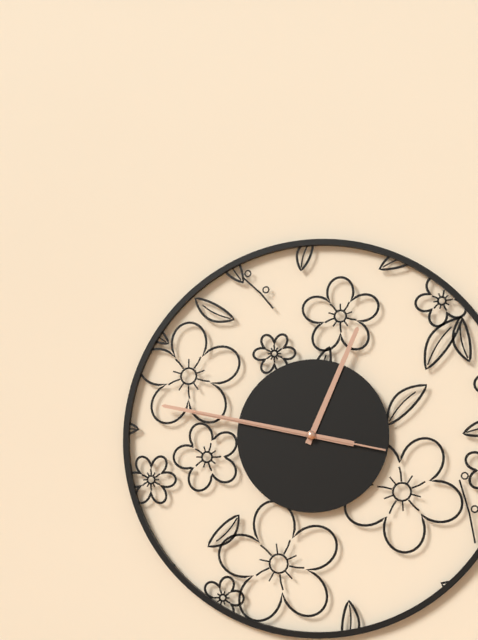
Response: 12:47:47
